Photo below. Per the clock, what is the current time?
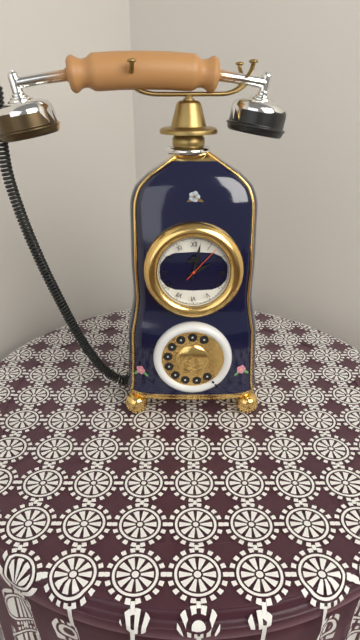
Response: 2:02
